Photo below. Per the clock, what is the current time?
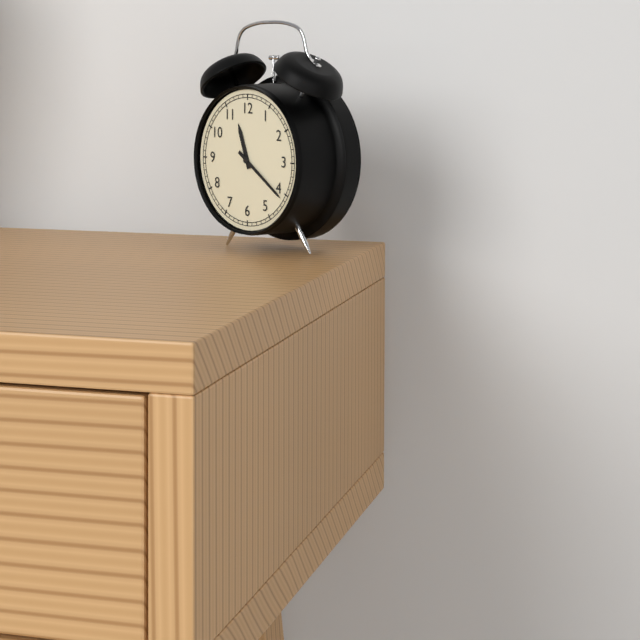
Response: 11:21
